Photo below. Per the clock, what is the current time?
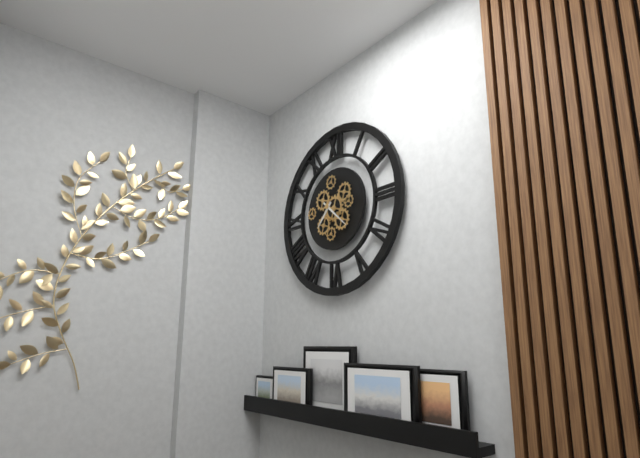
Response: 7:22
